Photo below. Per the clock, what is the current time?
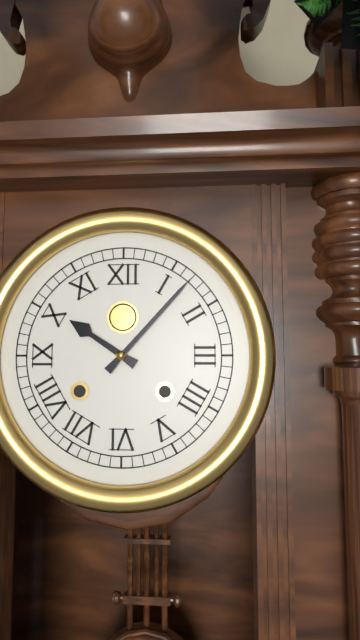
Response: 10:07
